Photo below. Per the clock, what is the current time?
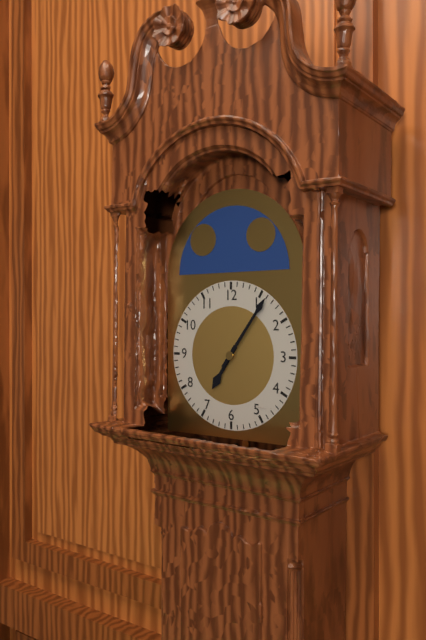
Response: 7:06
